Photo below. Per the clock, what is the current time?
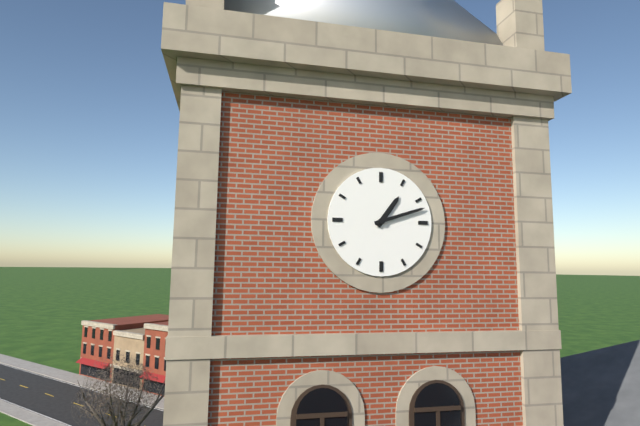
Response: 1:12
